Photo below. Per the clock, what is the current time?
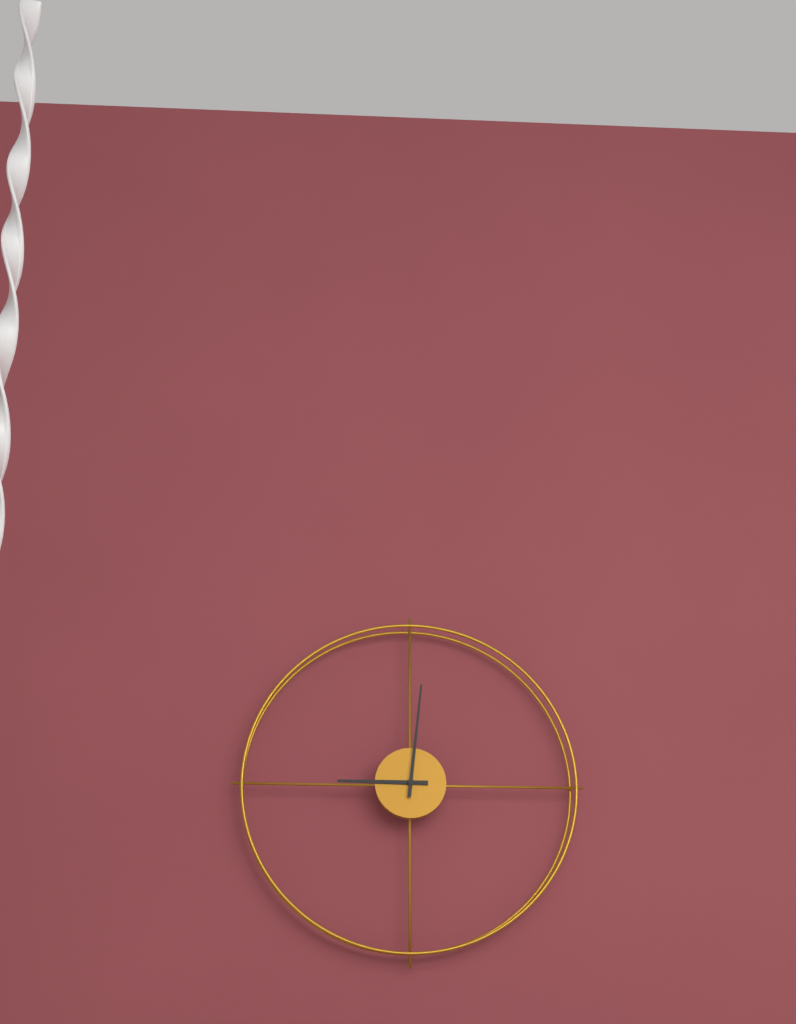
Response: 9:01
